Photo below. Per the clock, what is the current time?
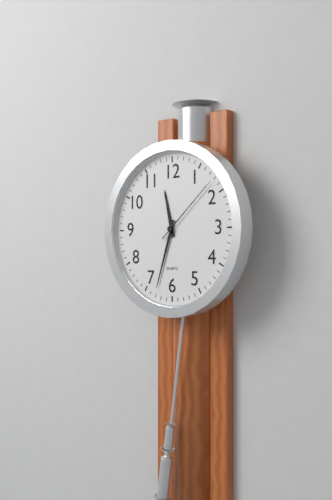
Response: 11:33:08
